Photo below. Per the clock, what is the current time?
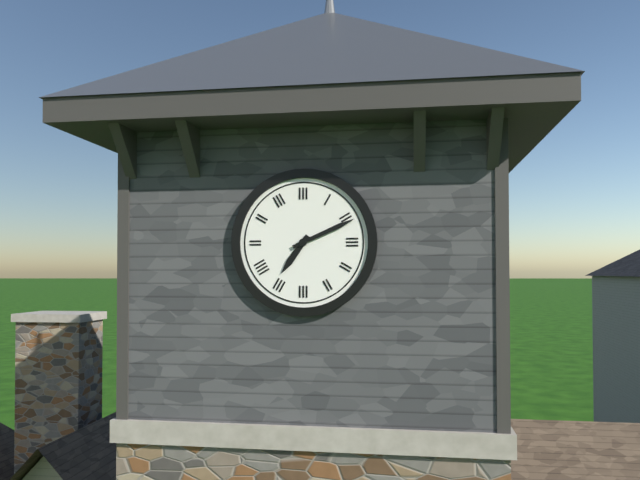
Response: 7:11
